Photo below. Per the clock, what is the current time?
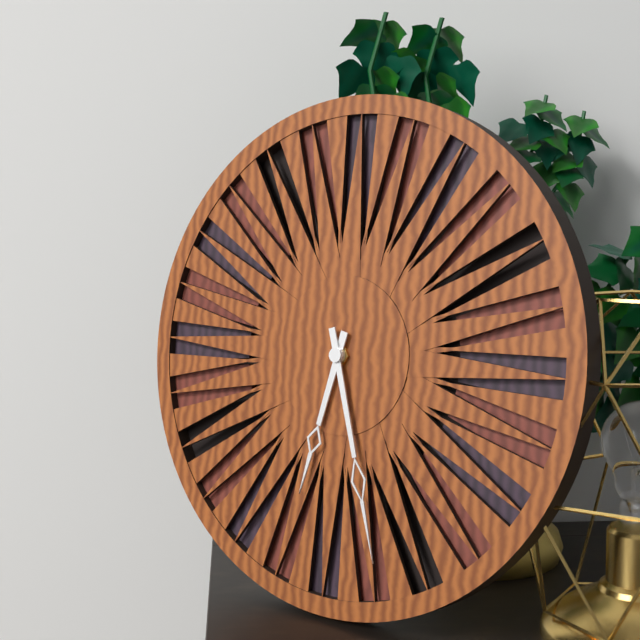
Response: 6:27
